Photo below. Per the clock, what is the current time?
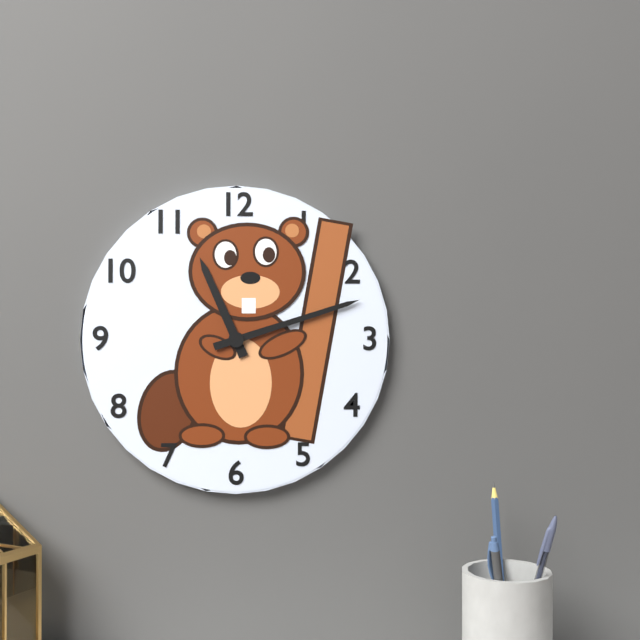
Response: 11:12
